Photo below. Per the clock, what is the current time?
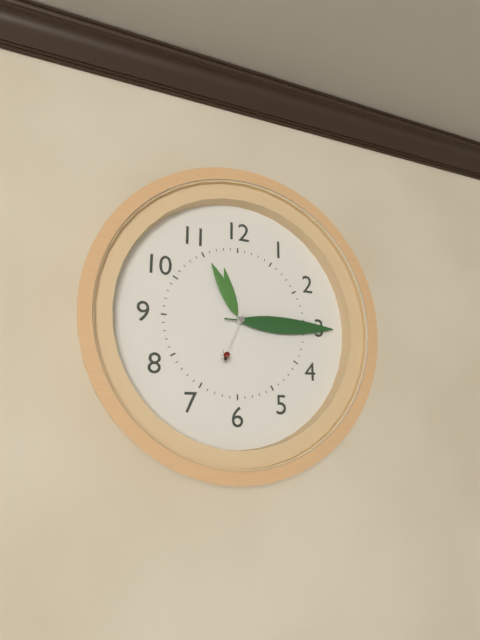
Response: 11:15:34
